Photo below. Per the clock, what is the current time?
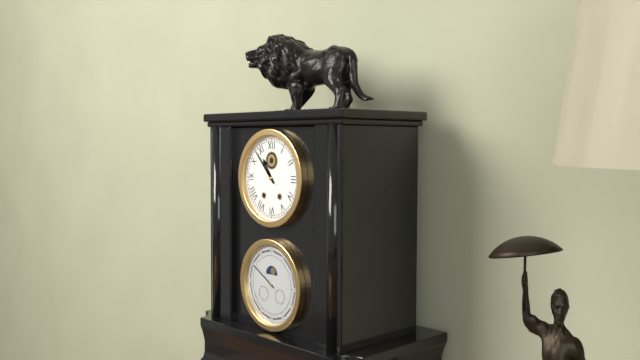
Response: 10:53
